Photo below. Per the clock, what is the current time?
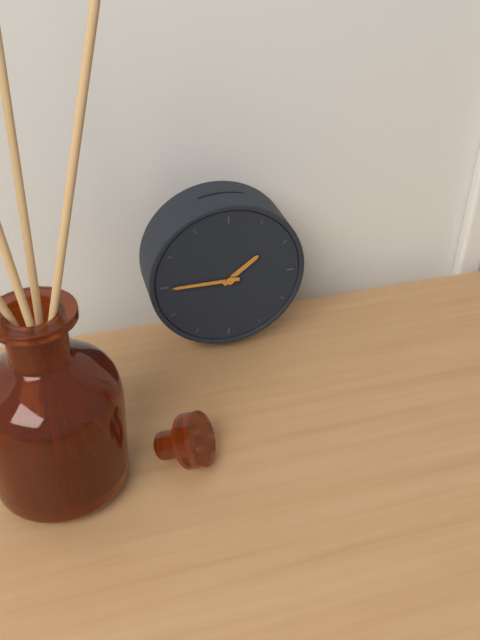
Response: 1:45
